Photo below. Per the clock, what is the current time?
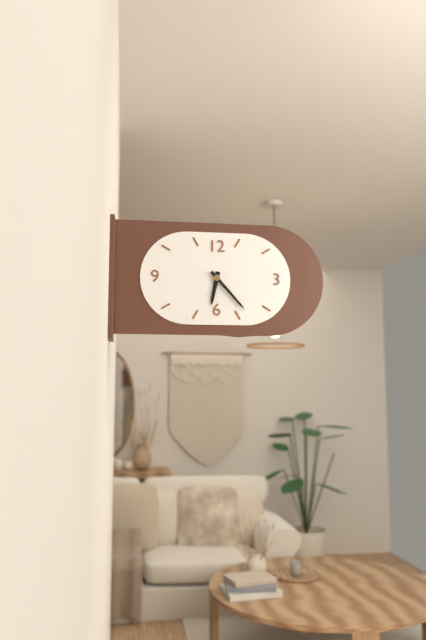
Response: 6:23
